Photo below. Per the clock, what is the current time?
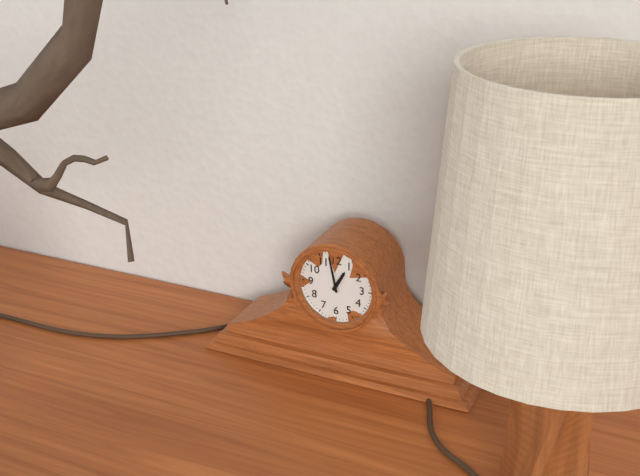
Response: 12:58
